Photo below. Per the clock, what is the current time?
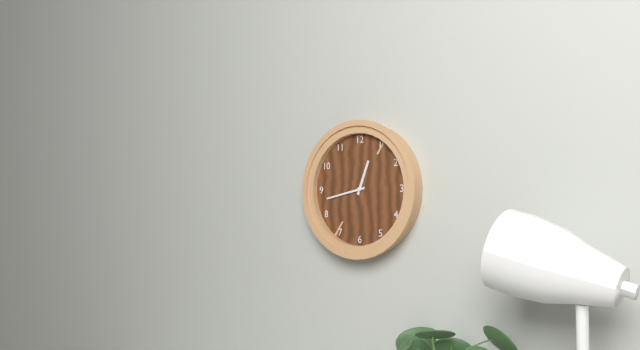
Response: 12:43
